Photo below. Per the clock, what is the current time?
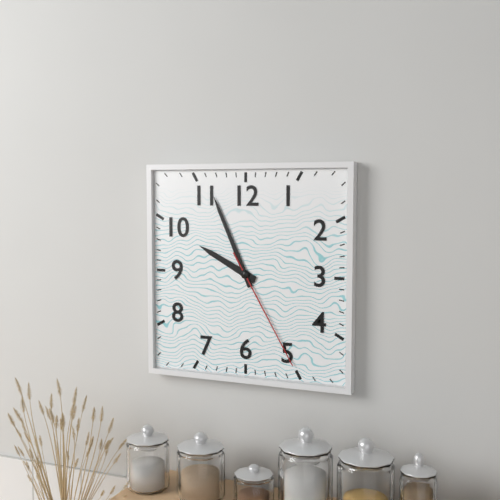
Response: 9:56:25
